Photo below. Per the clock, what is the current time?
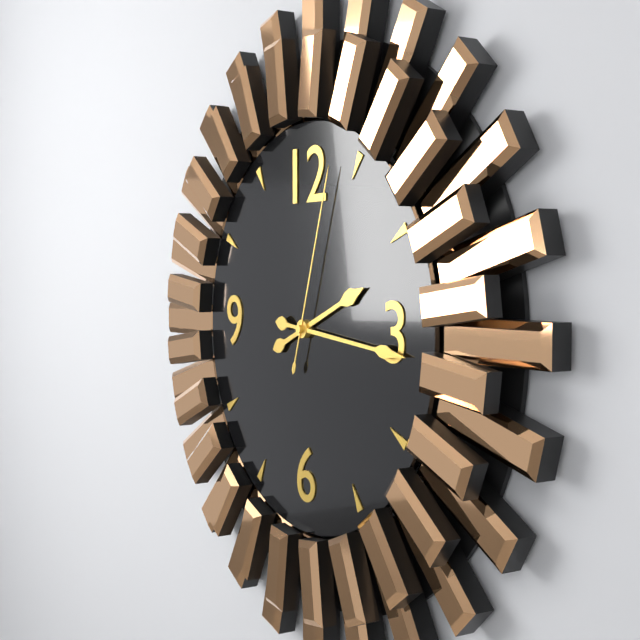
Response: 2:16:03
